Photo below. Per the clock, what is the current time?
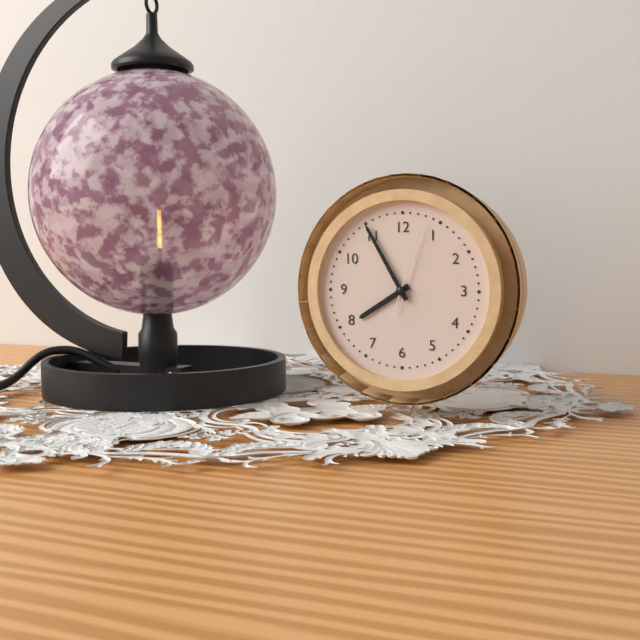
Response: 7:55:03
